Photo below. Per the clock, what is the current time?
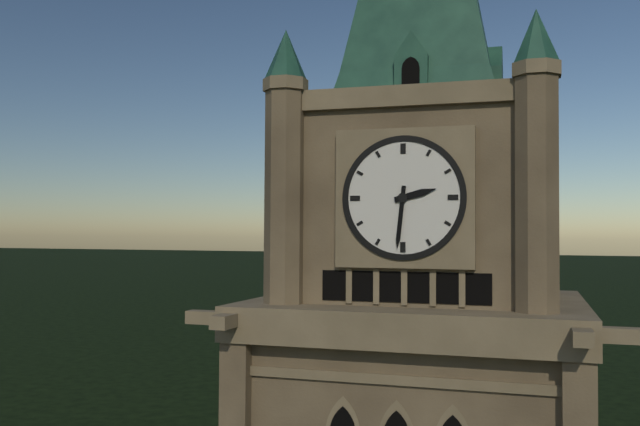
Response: 2:31
